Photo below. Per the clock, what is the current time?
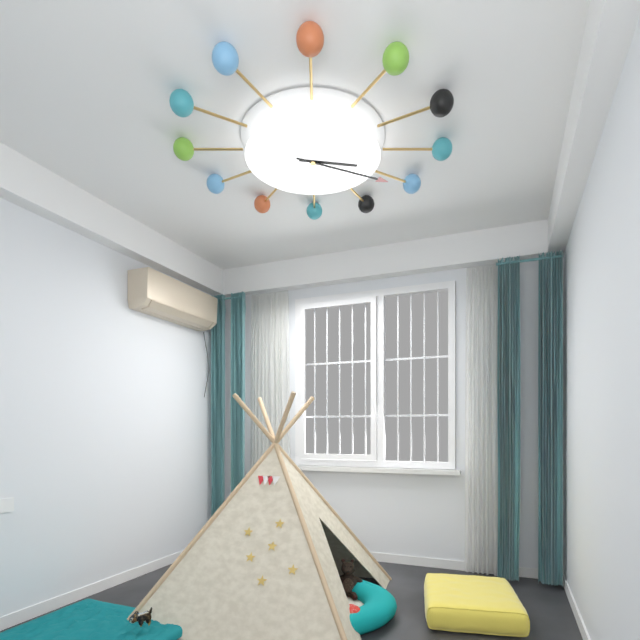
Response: 3:19
